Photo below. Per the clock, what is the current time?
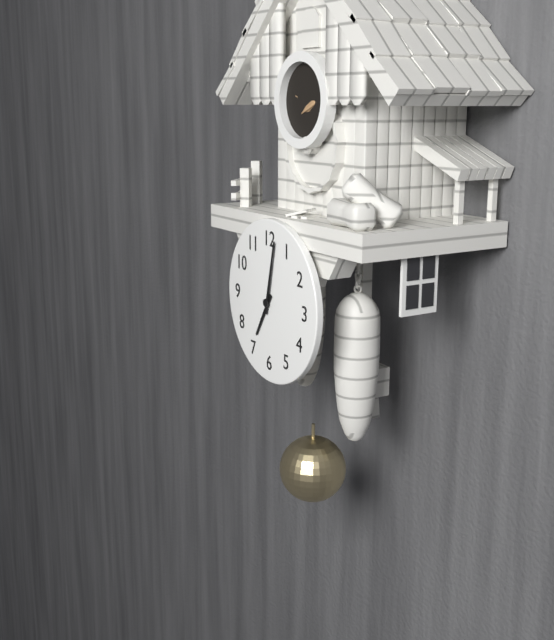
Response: 7:02
